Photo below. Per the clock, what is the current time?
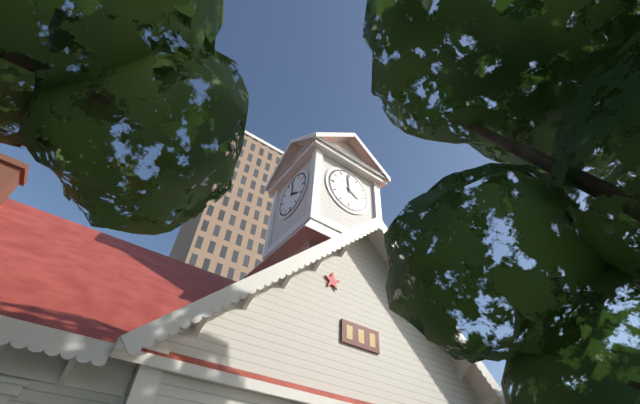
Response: 3:59
